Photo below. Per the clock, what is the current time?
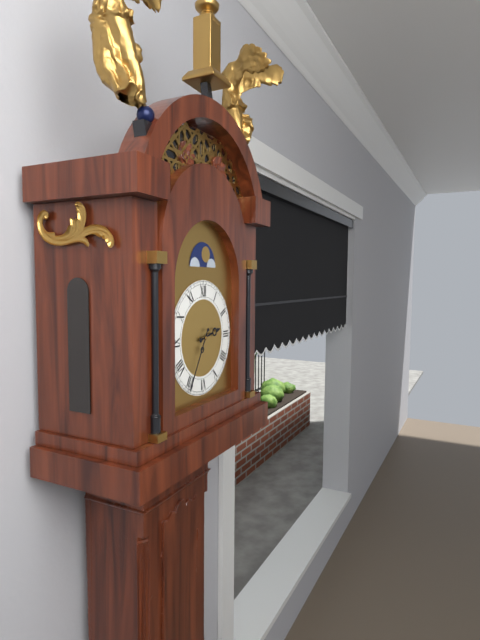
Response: 2:35
